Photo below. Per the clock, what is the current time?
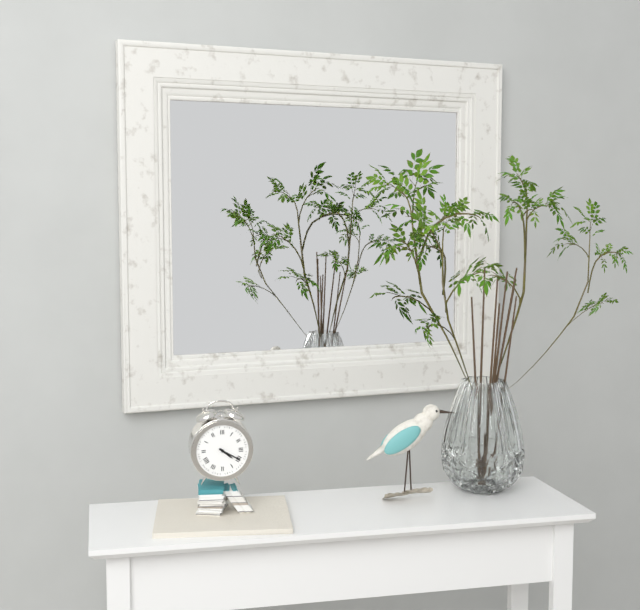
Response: 4:20
